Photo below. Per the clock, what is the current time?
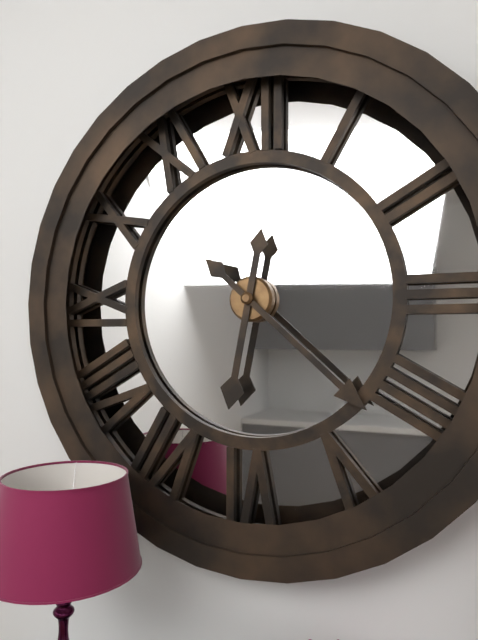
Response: 6:22
